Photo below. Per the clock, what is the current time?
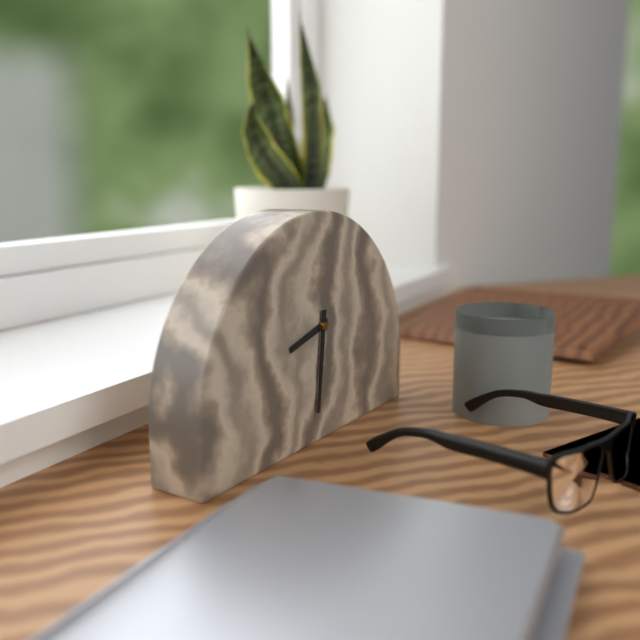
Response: 8:31
